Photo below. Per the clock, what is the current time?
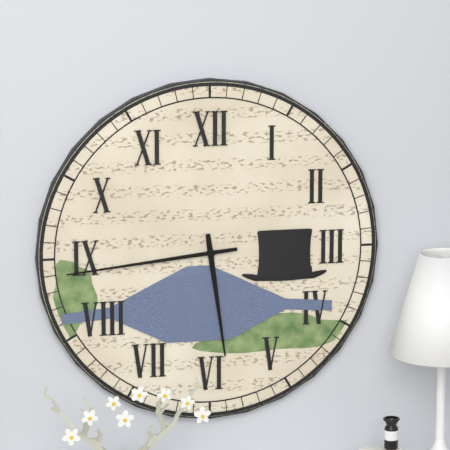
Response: 5:44
